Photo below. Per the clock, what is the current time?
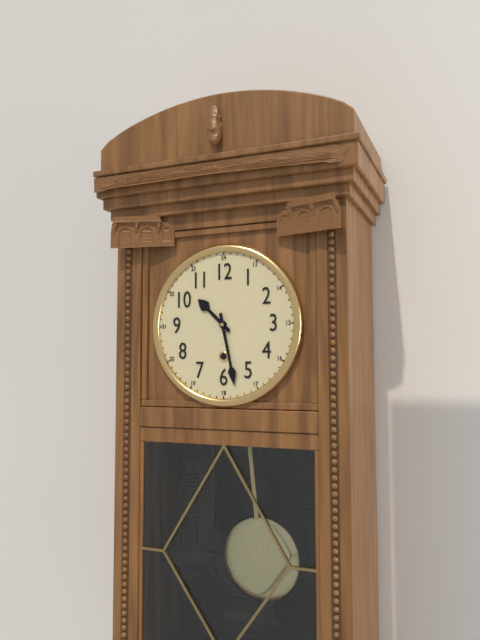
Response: 10:28
